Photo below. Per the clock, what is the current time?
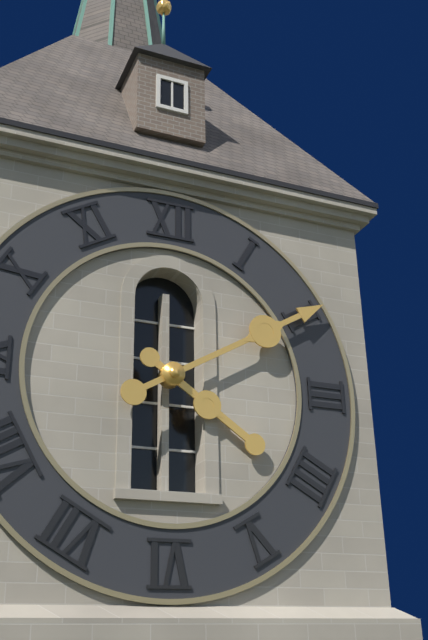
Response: 4:10
